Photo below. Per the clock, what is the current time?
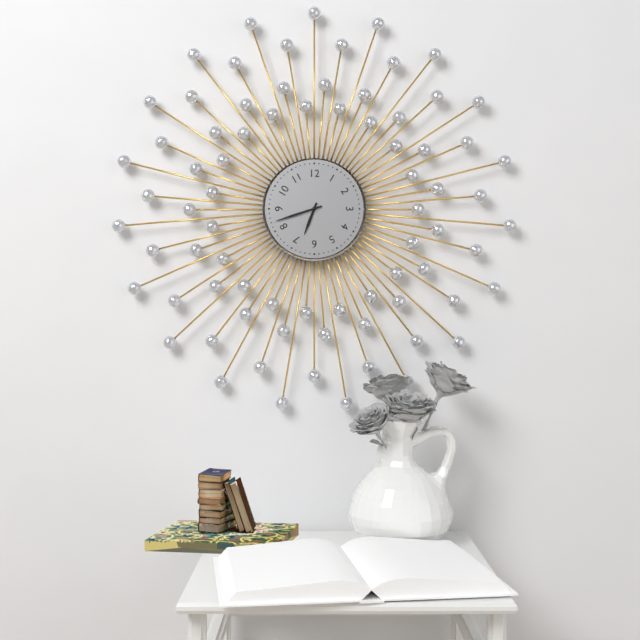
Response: 6:42
